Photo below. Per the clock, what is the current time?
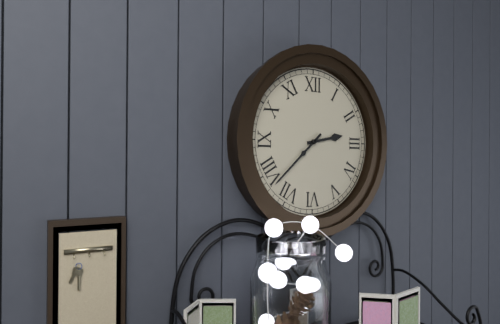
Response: 2:38
